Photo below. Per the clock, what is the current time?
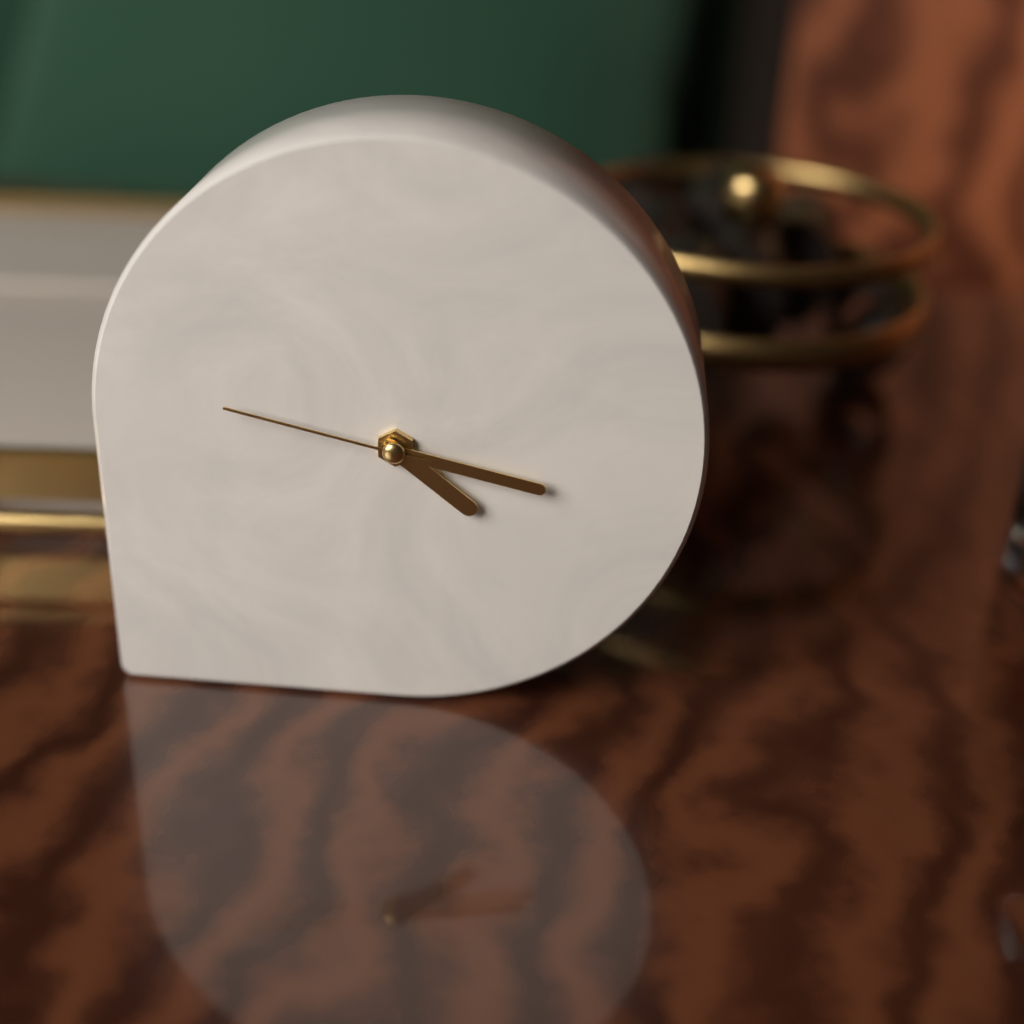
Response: 4:17:47
